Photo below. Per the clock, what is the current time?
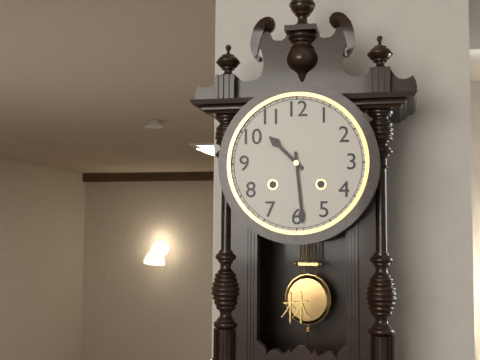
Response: 10:29
